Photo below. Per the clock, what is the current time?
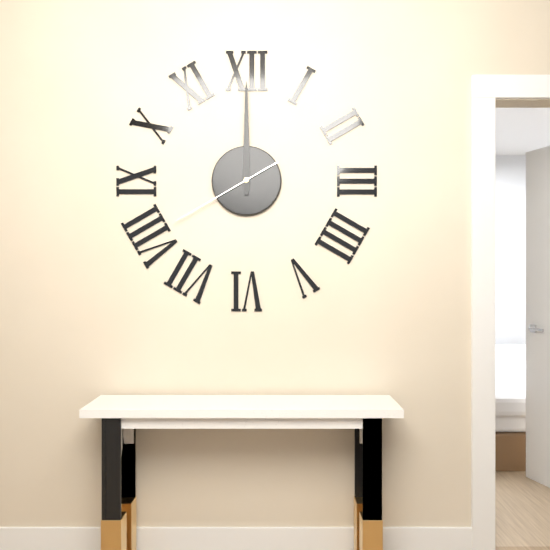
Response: 12:00:40
